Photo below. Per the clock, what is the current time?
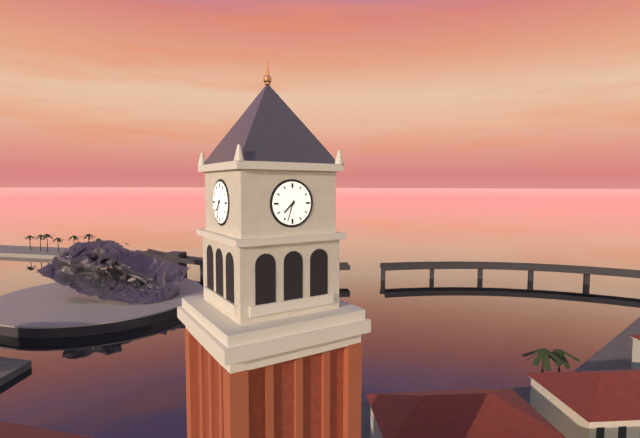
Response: 7:33
